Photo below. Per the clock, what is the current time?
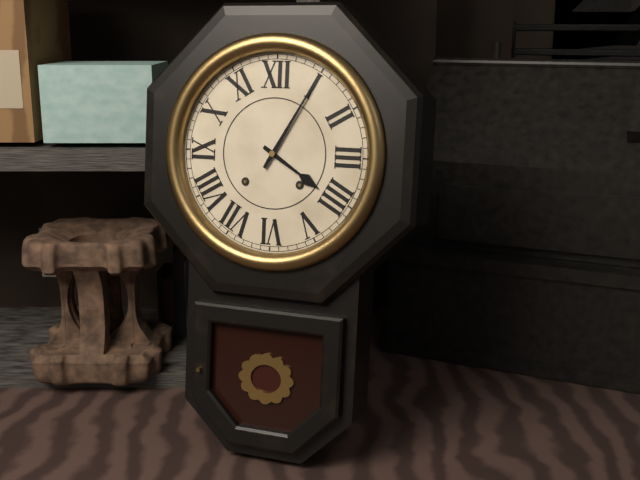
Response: 4:05
